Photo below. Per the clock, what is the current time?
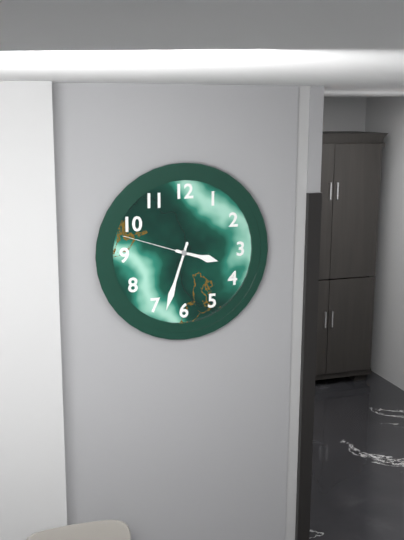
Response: 3:33:48
